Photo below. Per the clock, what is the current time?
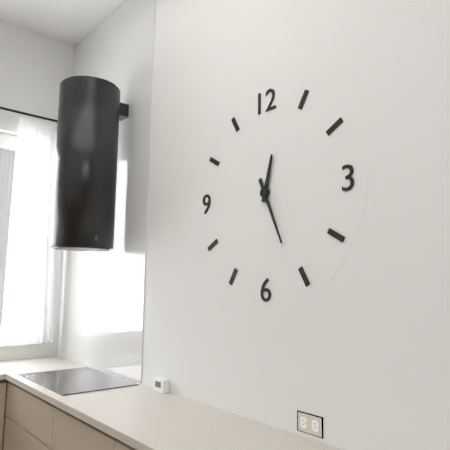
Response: 12:26
